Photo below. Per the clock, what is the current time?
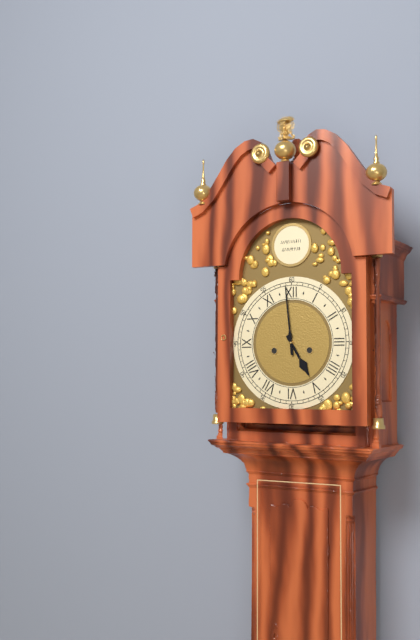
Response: 4:59
